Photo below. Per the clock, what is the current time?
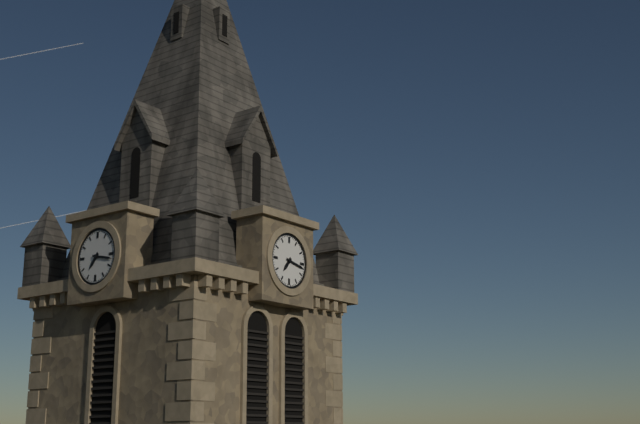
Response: 7:17
